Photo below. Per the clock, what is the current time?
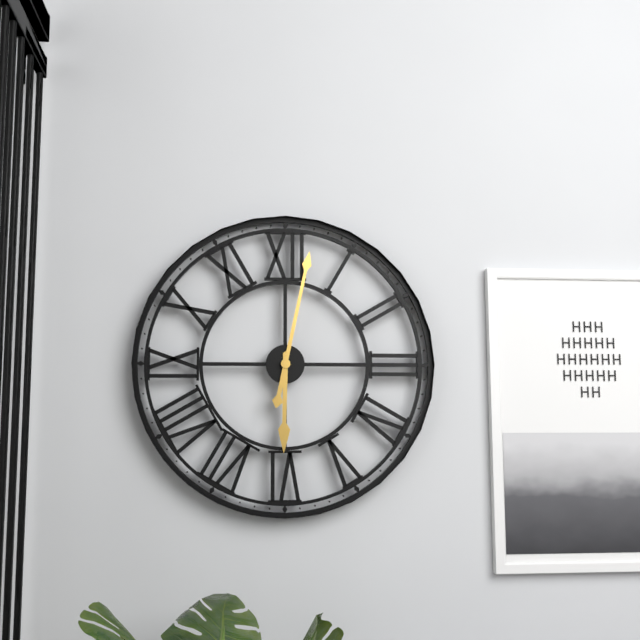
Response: 6:02
